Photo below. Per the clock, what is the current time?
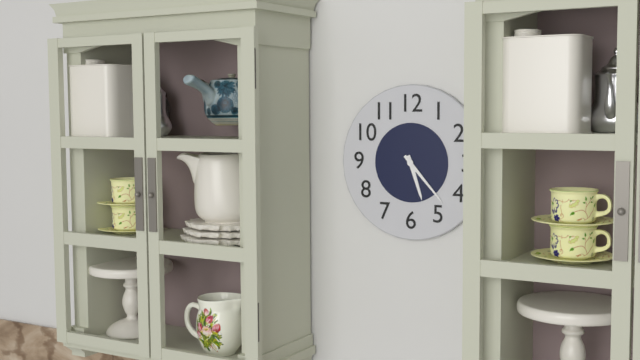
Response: 5:23
